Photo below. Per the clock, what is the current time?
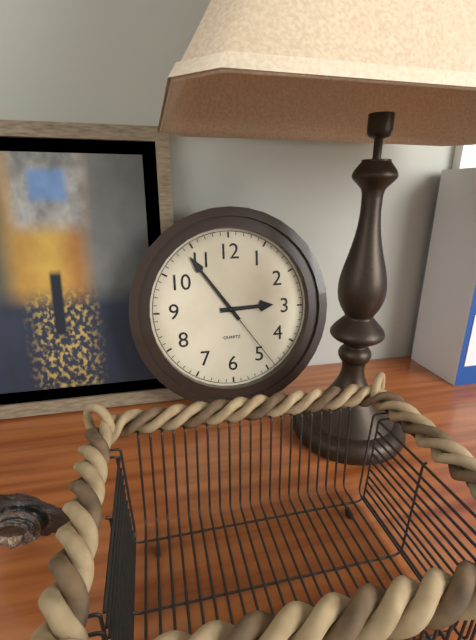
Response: 2:54:24
